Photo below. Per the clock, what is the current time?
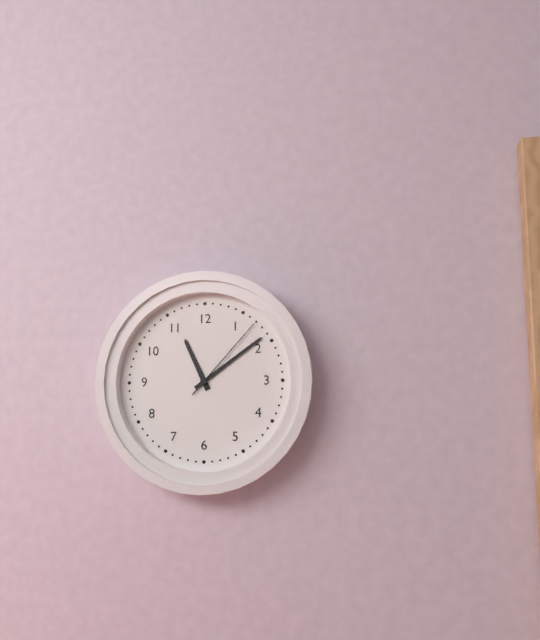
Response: 11:09:07
